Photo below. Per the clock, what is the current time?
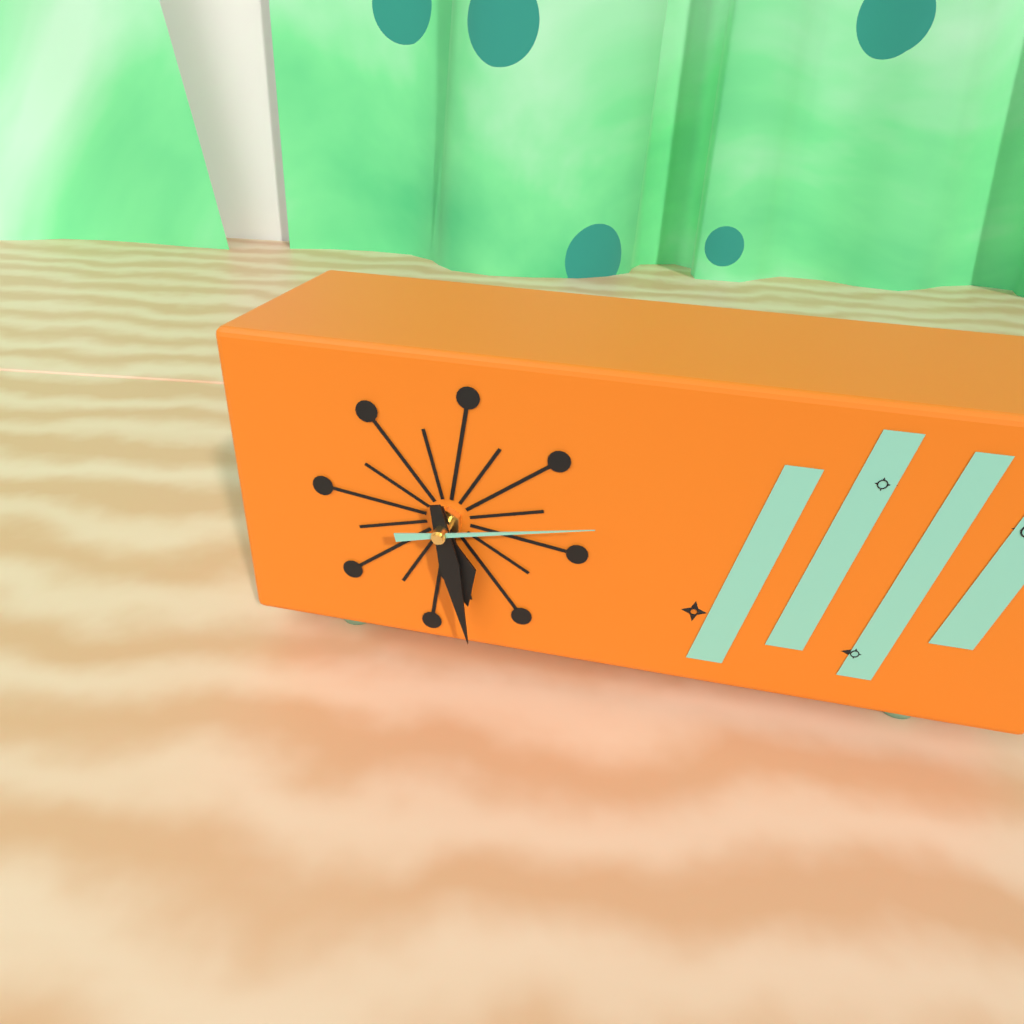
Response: 5:28:13
